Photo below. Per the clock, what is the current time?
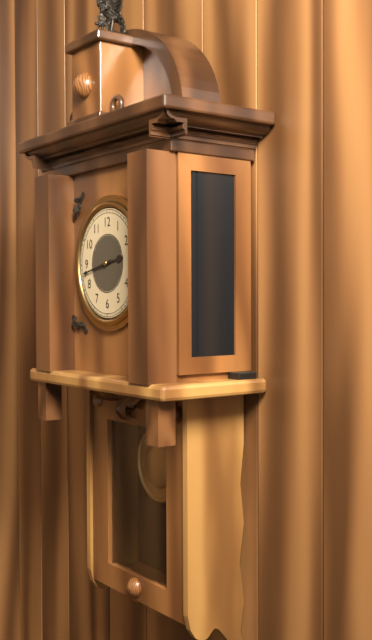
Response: 2:43
